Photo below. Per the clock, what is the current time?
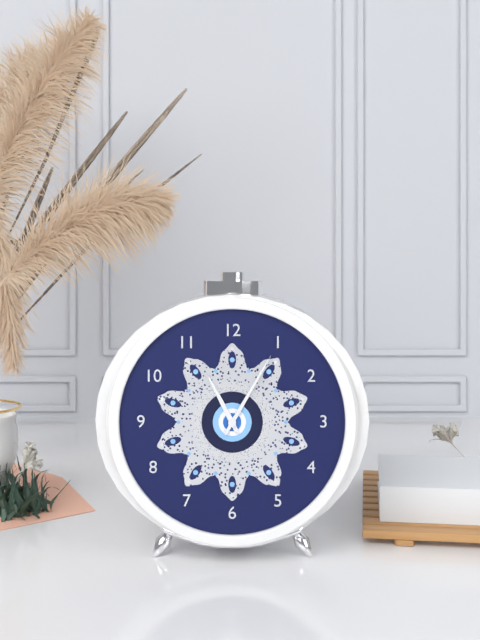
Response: 11:05
